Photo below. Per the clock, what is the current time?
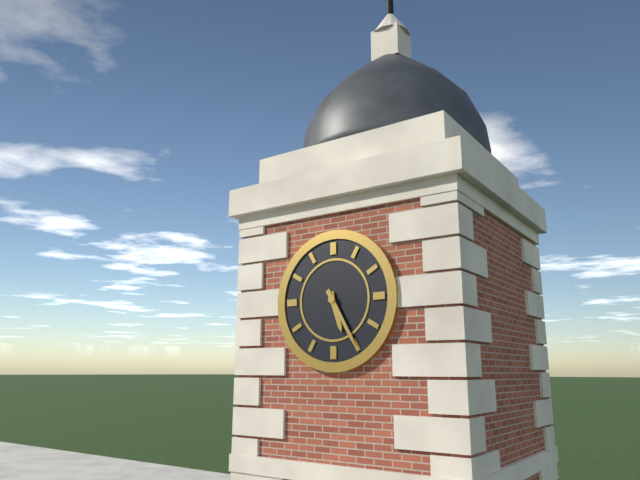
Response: 5:25
